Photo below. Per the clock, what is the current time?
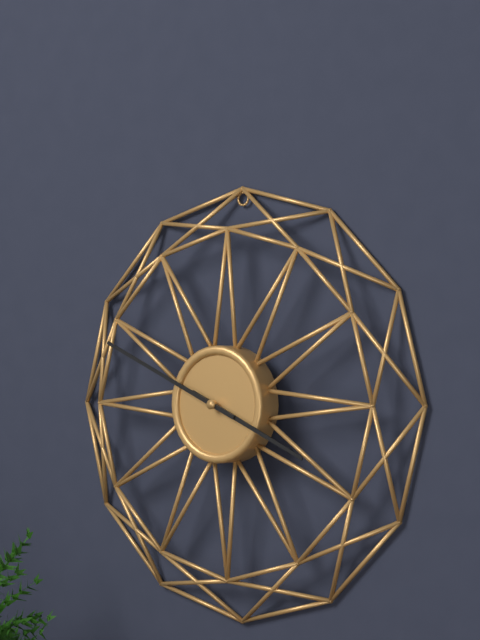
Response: 3:49
